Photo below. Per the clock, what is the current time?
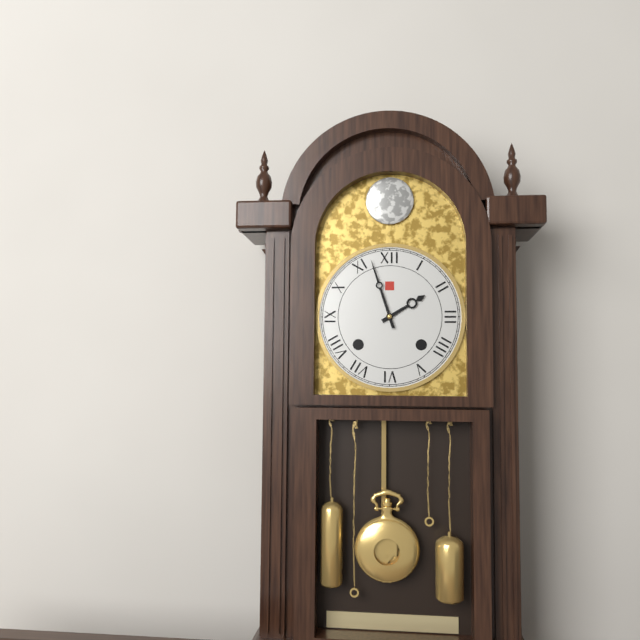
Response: 1:57
